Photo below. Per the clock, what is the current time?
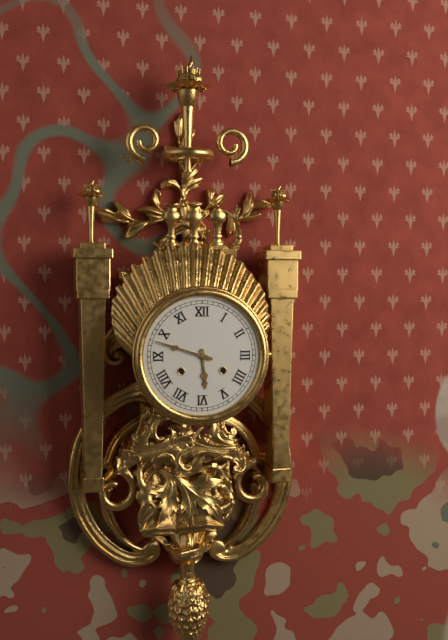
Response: 5:48
